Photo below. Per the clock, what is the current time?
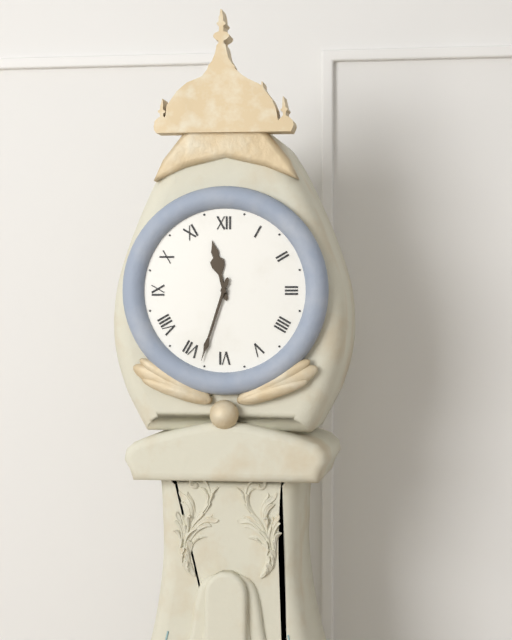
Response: 11:33
